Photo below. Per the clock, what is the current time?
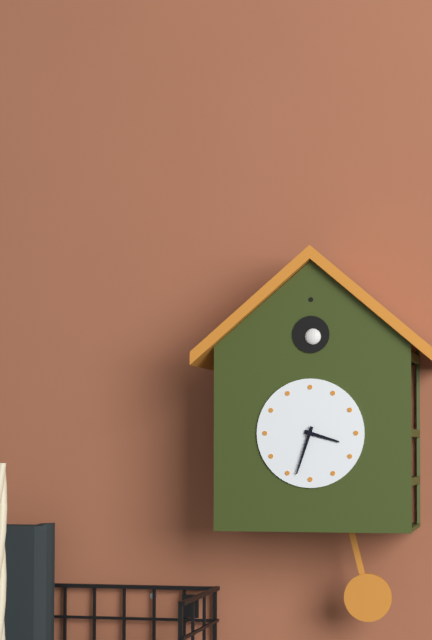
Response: 3:33
